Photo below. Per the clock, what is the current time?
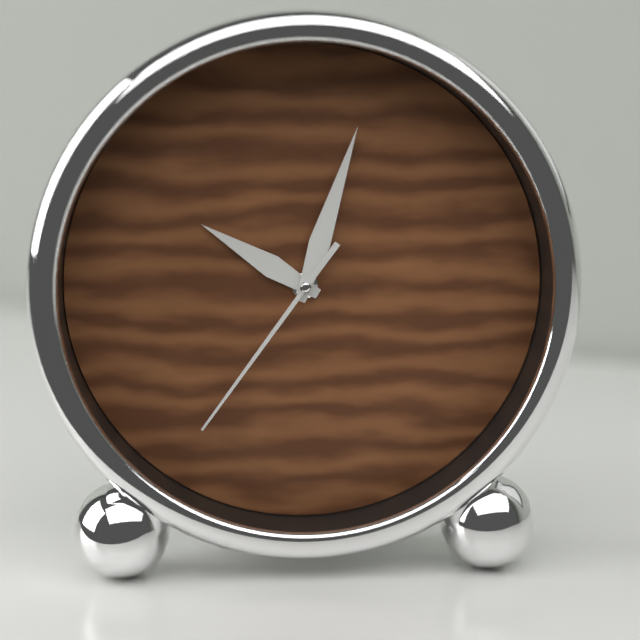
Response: 10:03:36
